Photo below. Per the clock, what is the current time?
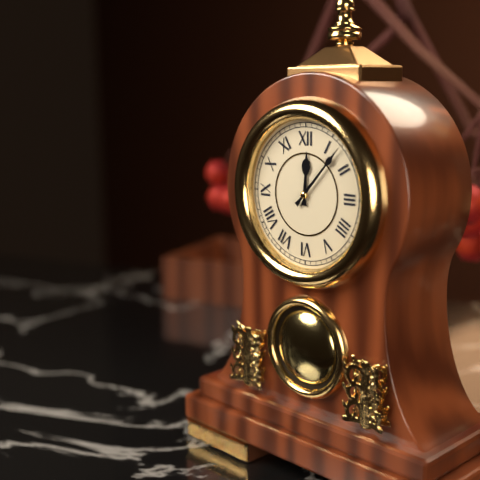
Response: 12:07
